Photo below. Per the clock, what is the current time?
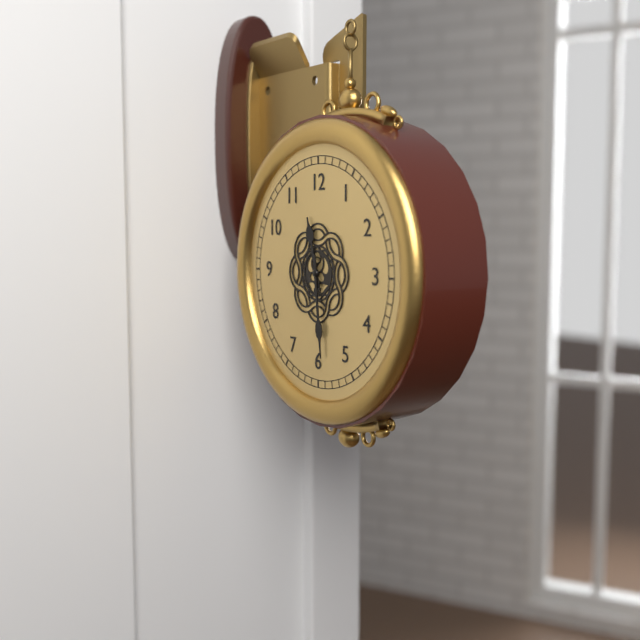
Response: 11:29
